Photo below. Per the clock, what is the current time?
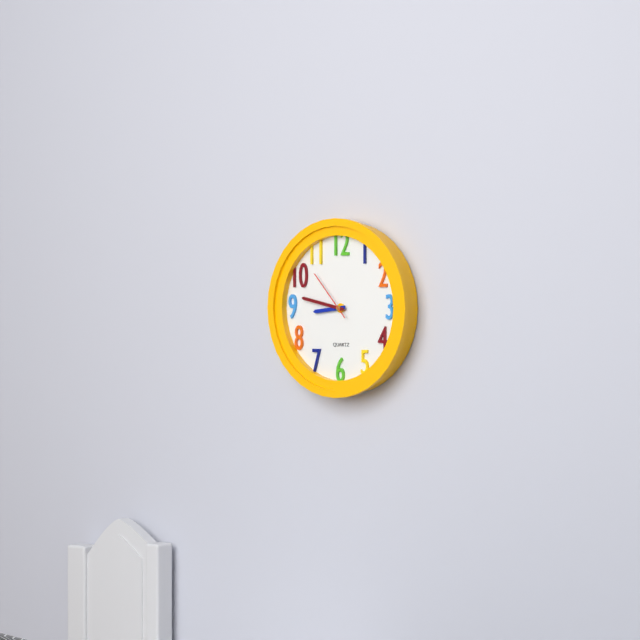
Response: 8:47:53
